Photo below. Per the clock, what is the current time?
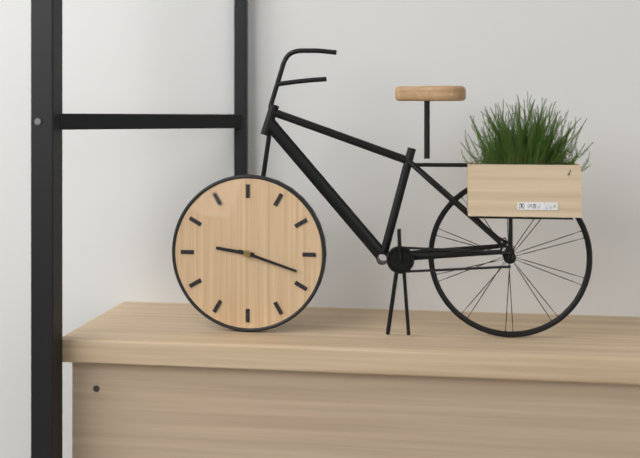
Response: 9:18
